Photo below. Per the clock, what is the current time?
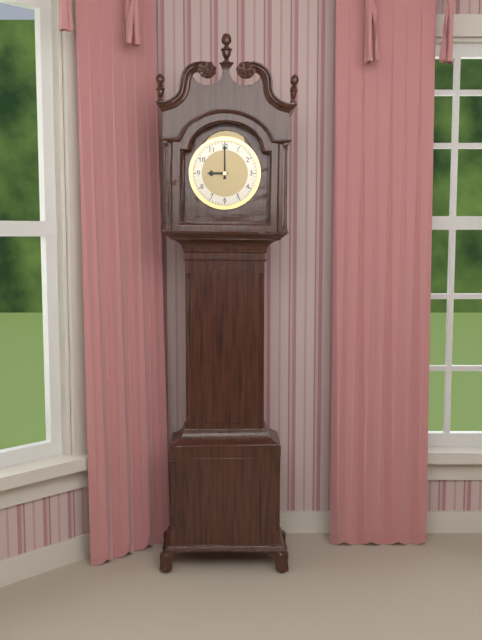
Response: 9:00
